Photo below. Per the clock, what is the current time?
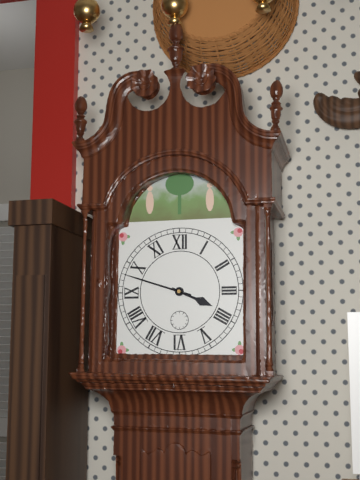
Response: 3:48
